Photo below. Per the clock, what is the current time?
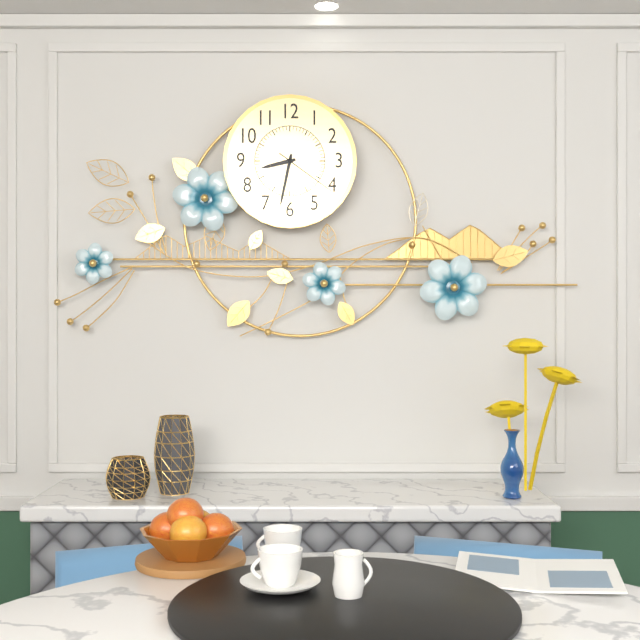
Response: 8:32:21
